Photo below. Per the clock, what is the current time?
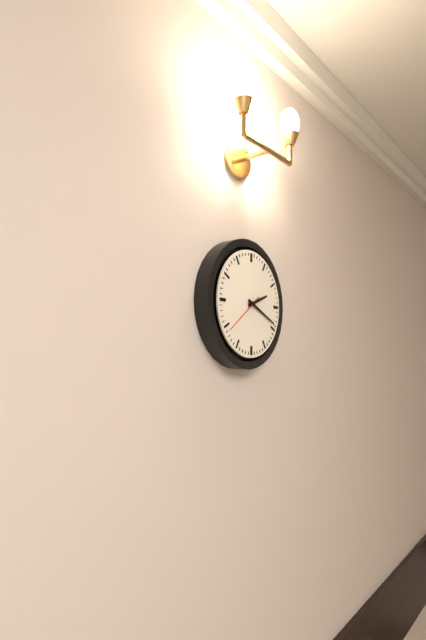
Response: 2:19
